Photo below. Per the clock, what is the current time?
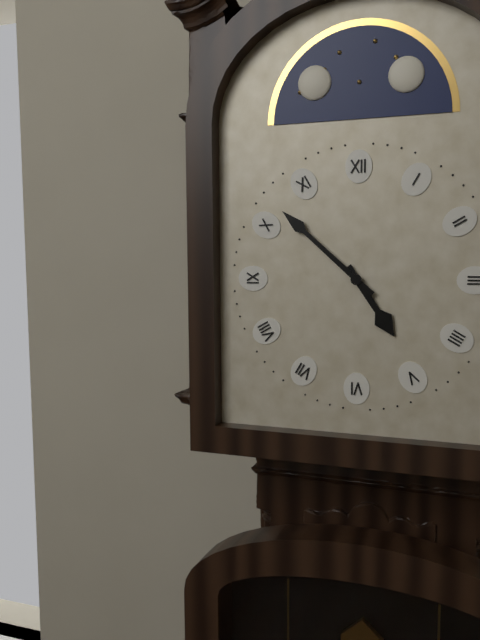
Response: 4:52
